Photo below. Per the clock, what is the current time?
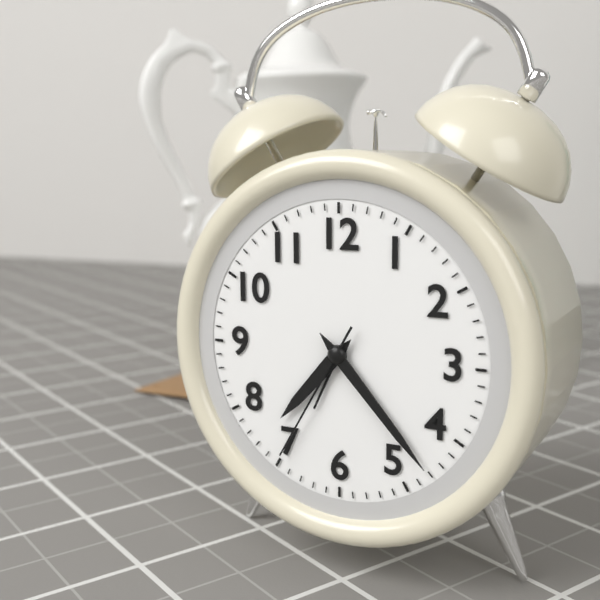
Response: 7:23:35
